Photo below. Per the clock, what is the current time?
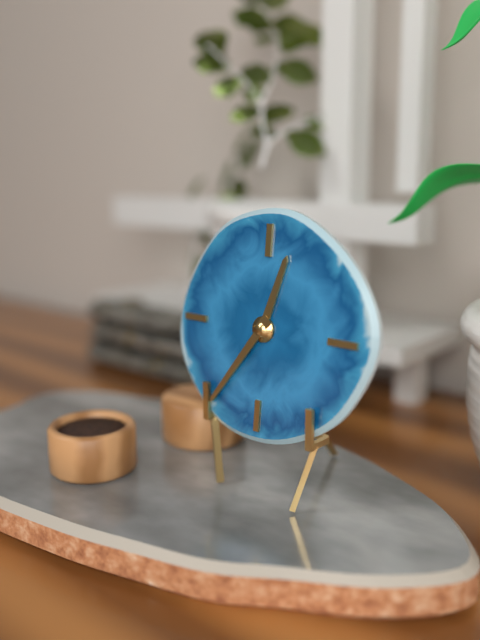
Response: 12:36
